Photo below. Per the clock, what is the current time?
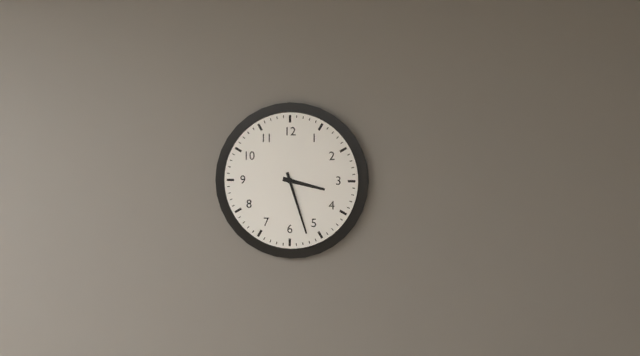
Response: 3:27
